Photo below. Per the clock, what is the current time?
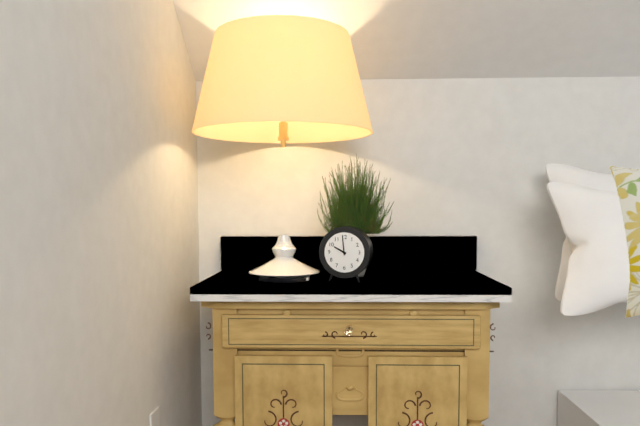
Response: 9:59
